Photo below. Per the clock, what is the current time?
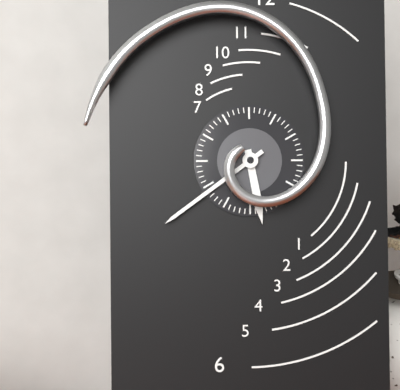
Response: 5:39
